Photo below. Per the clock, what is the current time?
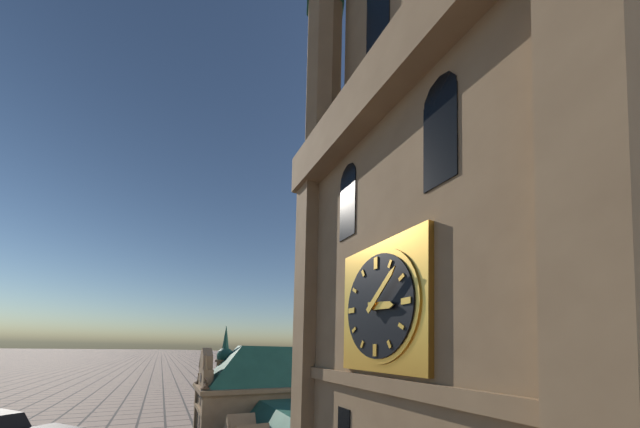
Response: 3:08
